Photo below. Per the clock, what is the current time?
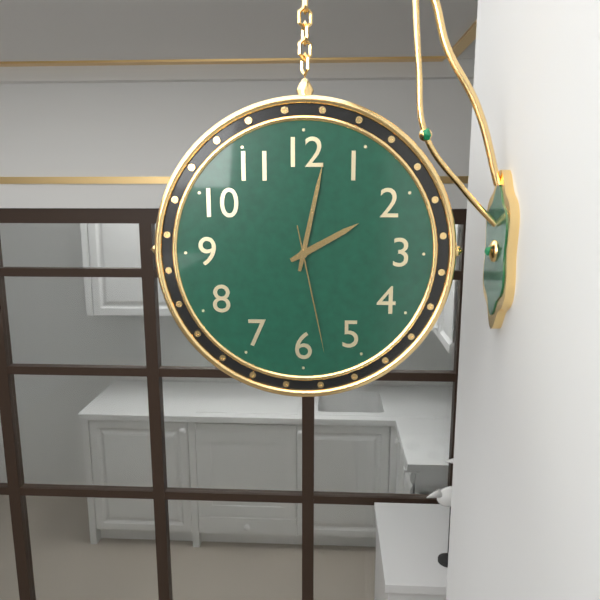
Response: 2:02:28
